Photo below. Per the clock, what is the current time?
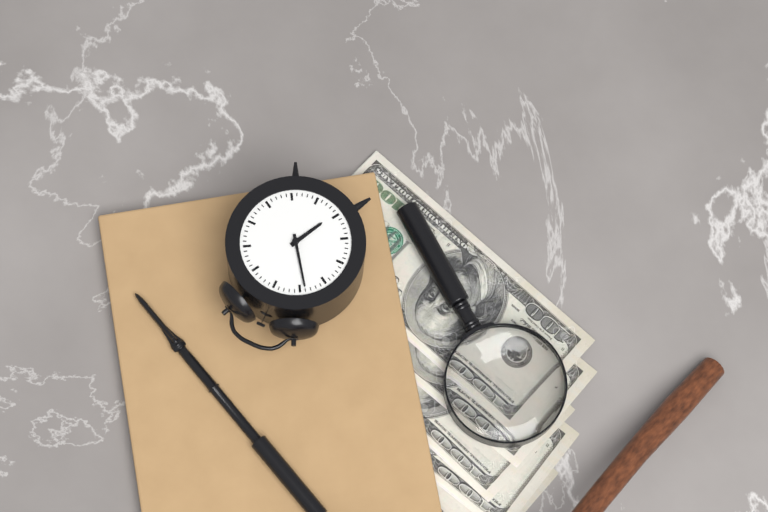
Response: 6:54
